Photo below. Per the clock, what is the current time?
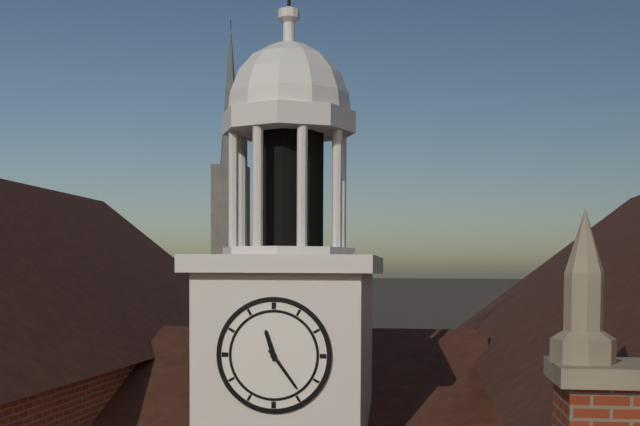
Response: 11:24
